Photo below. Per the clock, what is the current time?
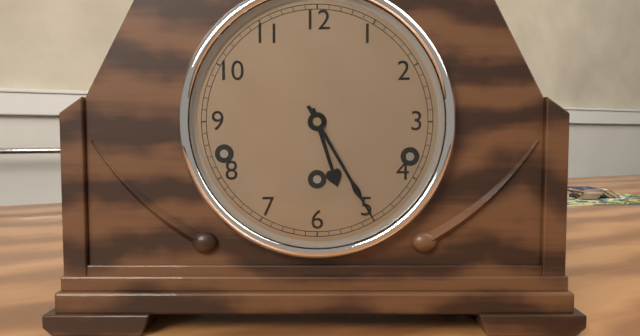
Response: 5:25
